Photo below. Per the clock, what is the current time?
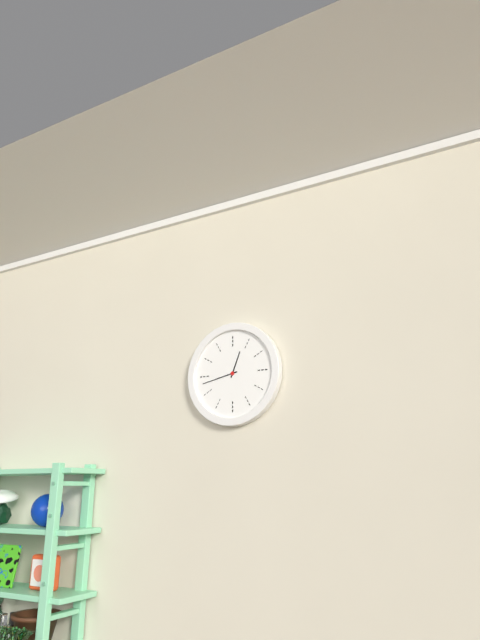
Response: 12:43
